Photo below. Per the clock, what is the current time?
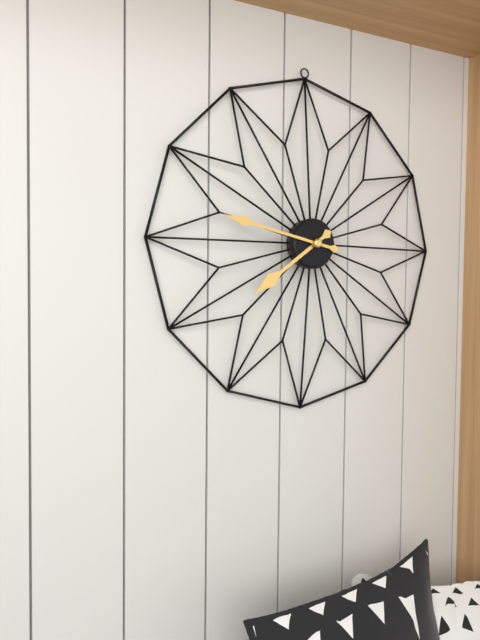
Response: 7:47
